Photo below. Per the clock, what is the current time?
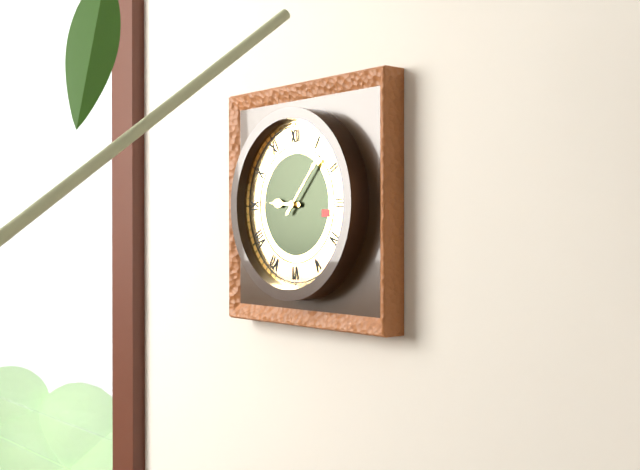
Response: 9:07
